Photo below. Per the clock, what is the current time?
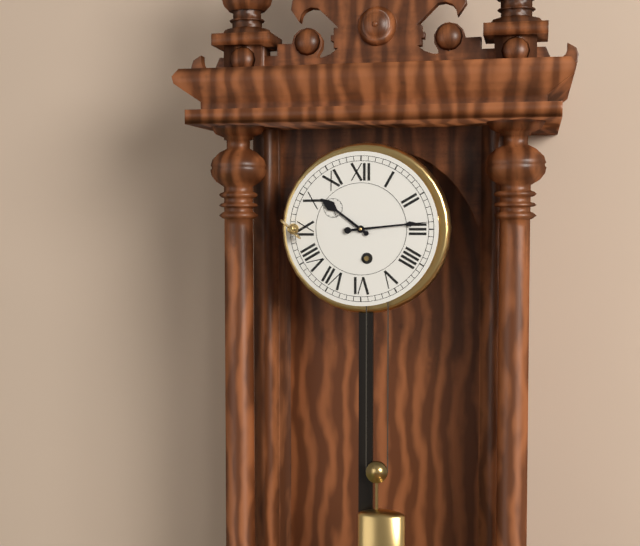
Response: 10:14
